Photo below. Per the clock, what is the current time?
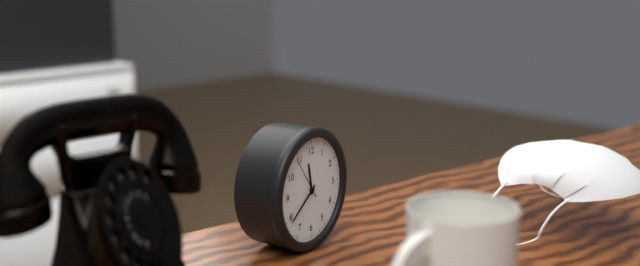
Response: 11:39
